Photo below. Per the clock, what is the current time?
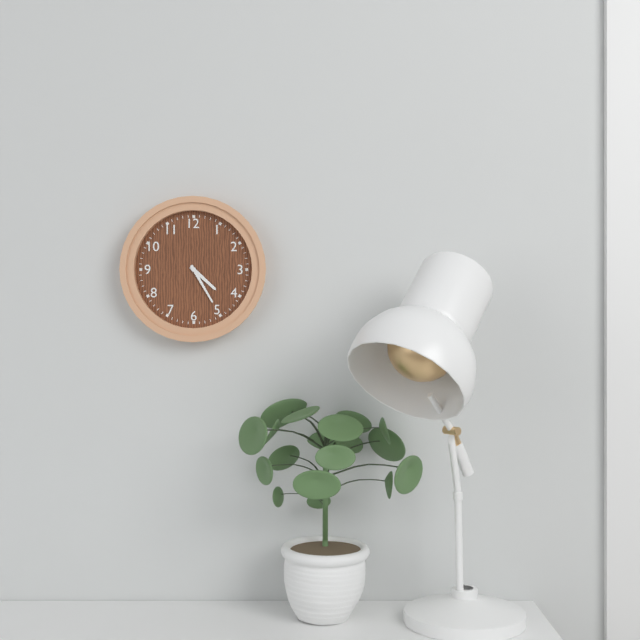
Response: 4:25
